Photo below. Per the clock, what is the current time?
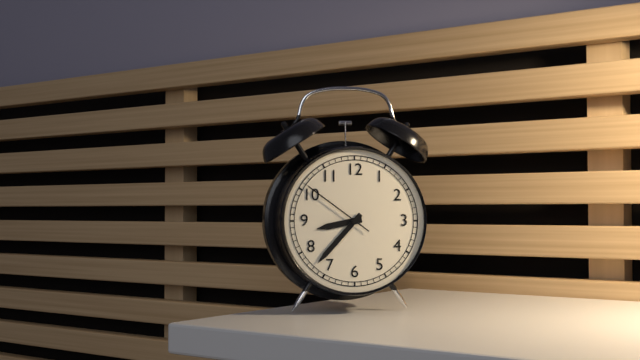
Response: 8:37:51
